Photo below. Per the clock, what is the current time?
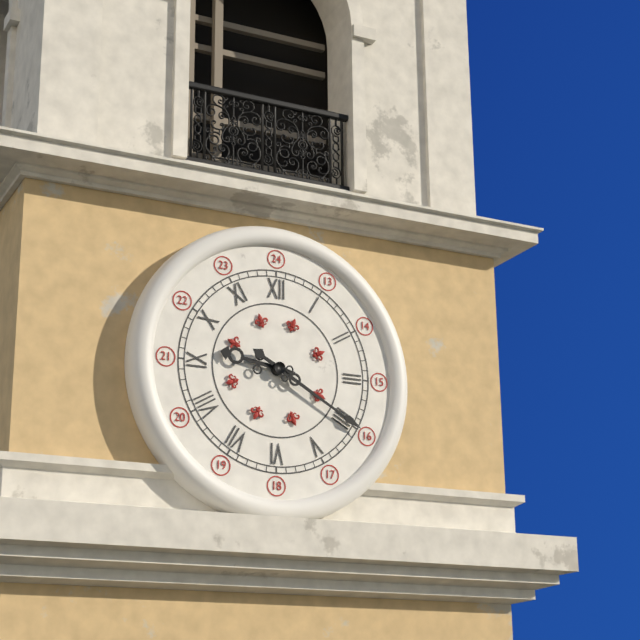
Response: 9:20
